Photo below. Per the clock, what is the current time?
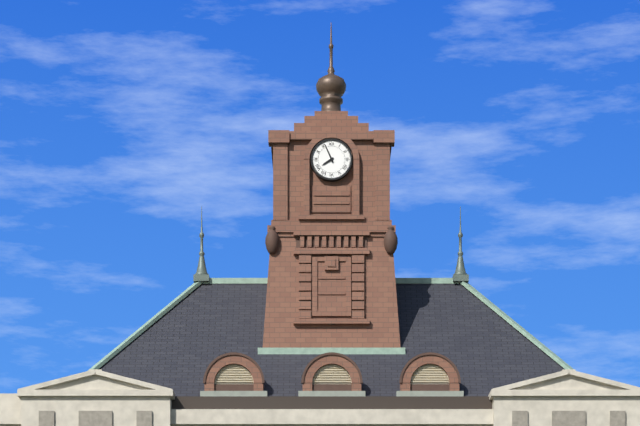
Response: 7:56
